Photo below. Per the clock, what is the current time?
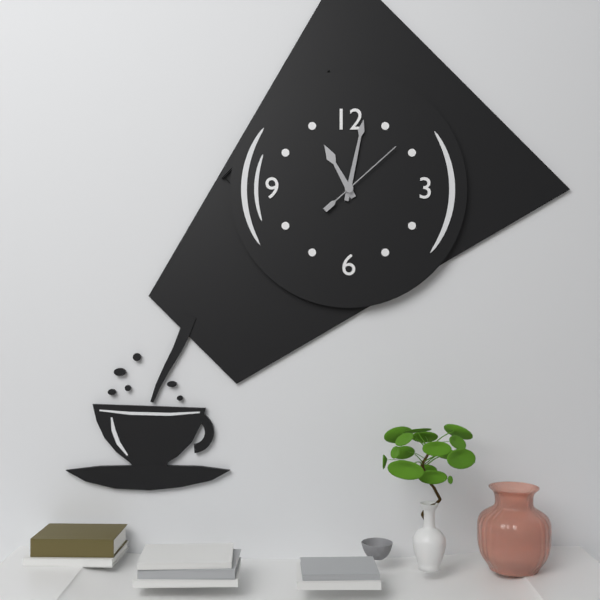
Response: 11:02:08
